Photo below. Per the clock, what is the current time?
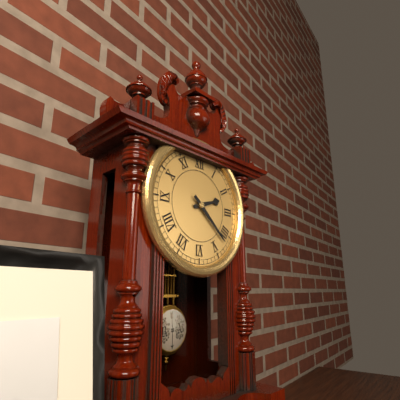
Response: 2:22
